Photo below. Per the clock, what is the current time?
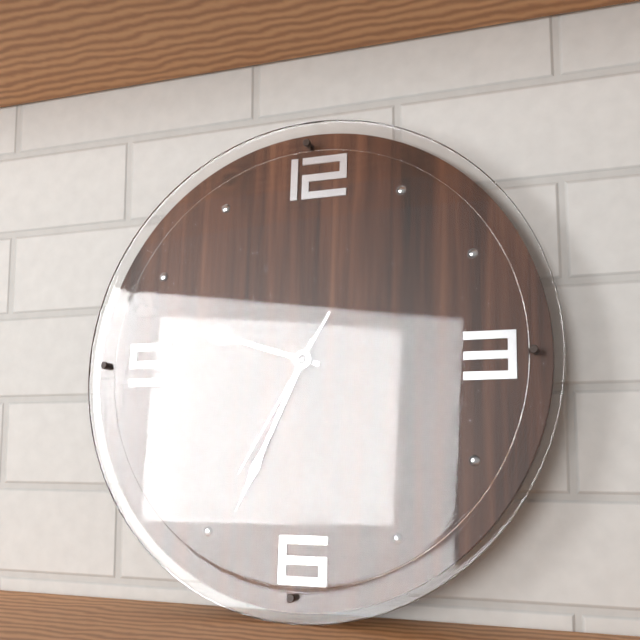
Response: 9:34:35
